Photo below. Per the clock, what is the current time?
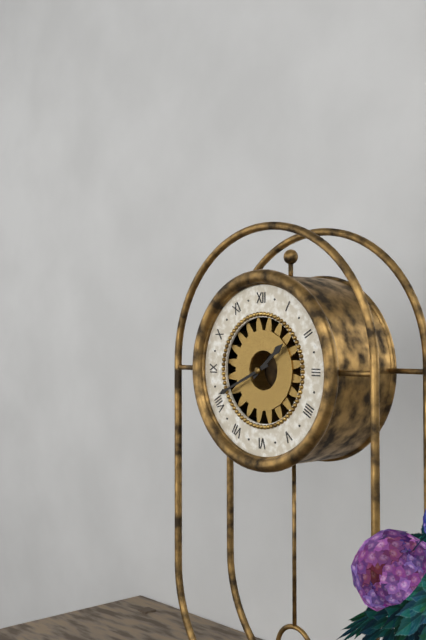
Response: 1:41
